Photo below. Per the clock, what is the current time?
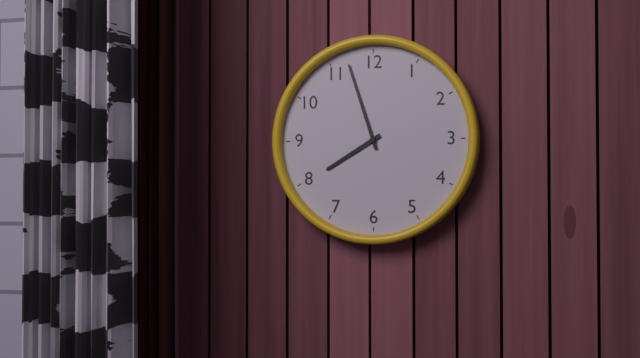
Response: 7:57
